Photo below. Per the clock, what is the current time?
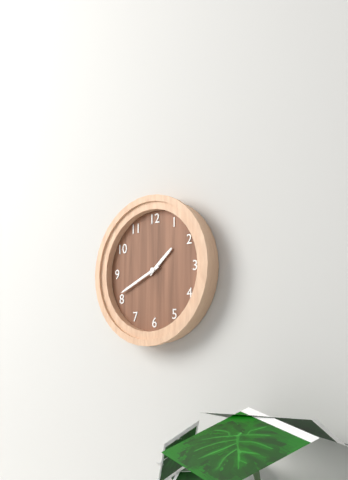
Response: 1:41
